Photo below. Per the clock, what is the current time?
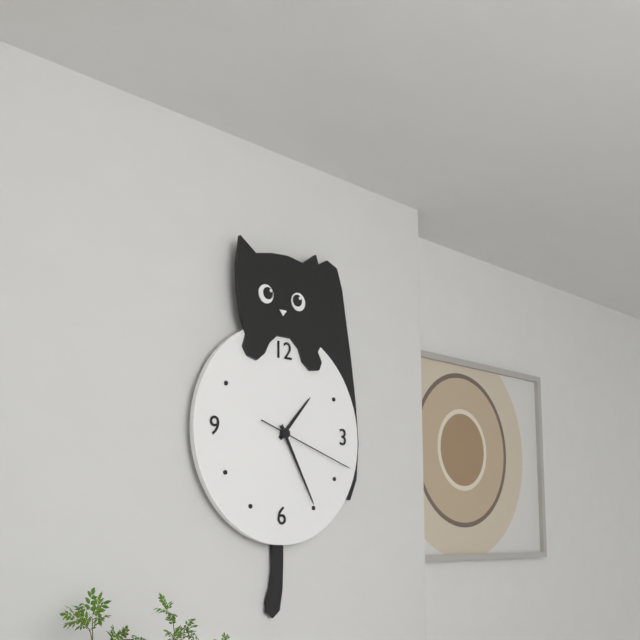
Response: 1:25:18
